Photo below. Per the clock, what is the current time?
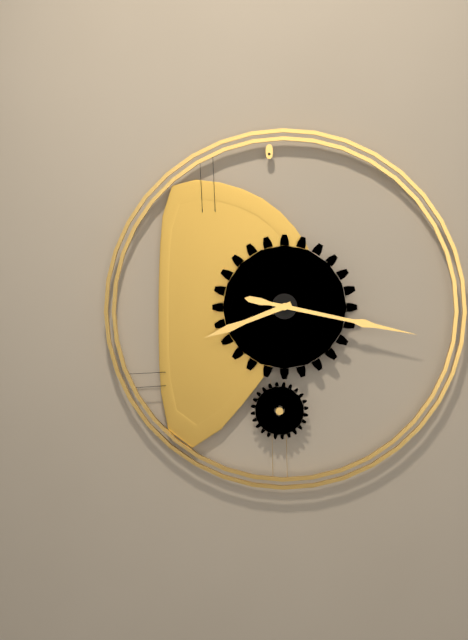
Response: 8:17
